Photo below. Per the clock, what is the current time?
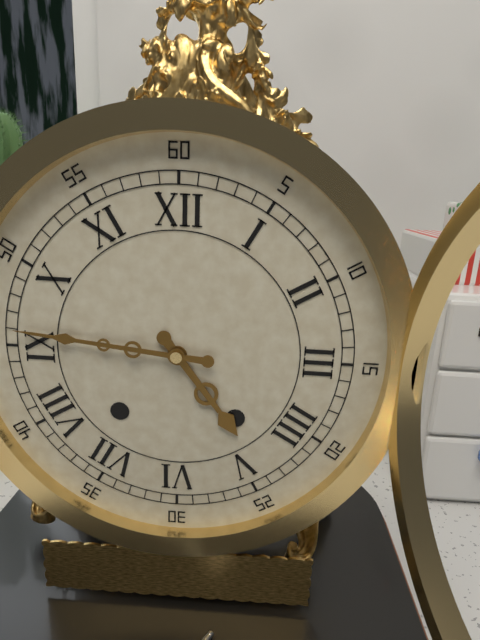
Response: 4:46
